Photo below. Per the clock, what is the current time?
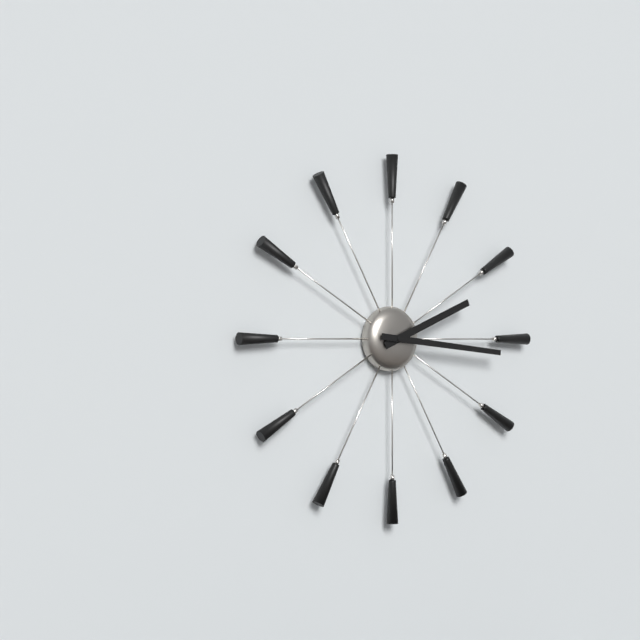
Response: 2:16
